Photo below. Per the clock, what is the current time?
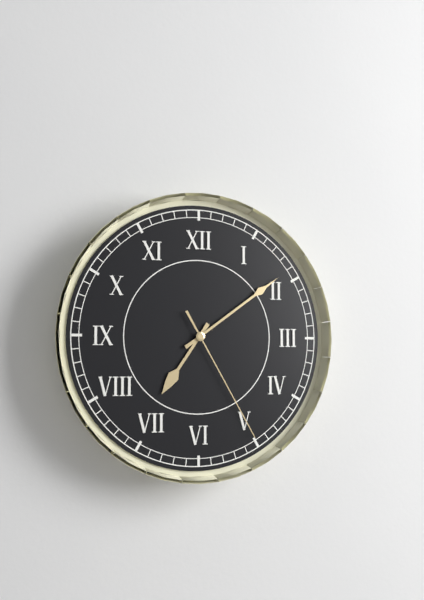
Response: 7:09:25
